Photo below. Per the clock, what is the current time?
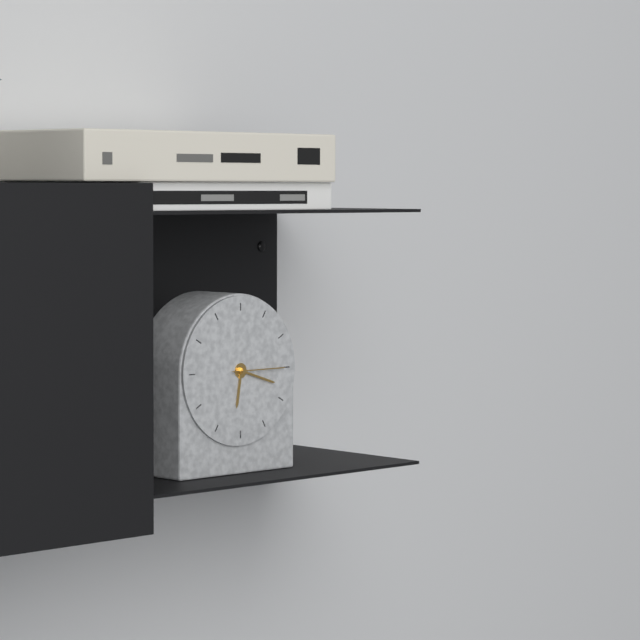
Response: 6:18:15
